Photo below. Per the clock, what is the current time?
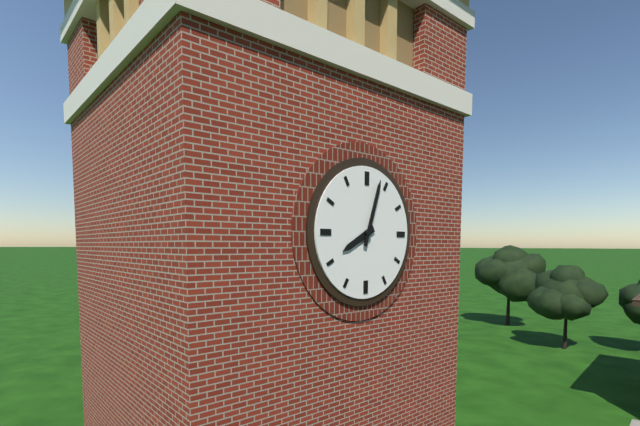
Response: 8:03
